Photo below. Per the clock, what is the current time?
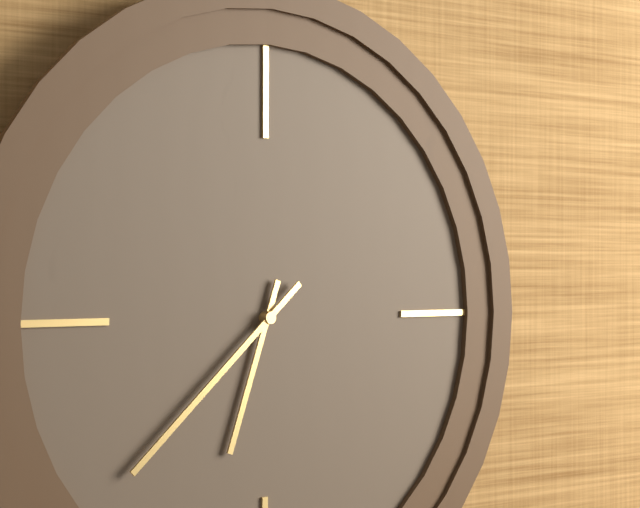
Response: 6:38
